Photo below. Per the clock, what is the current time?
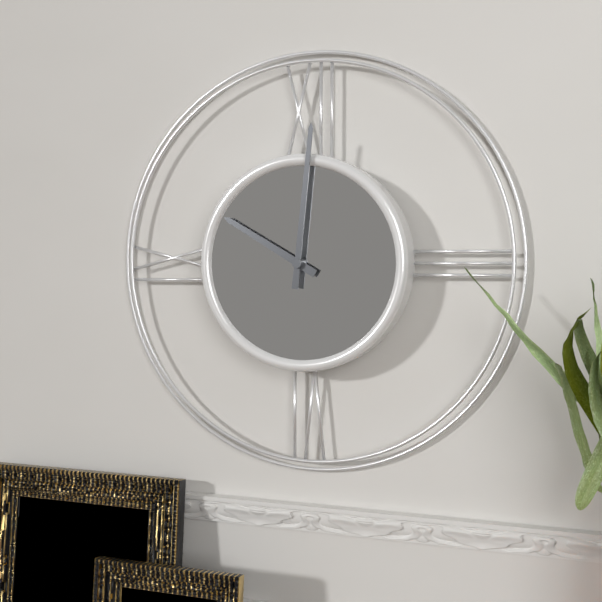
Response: 10:01
